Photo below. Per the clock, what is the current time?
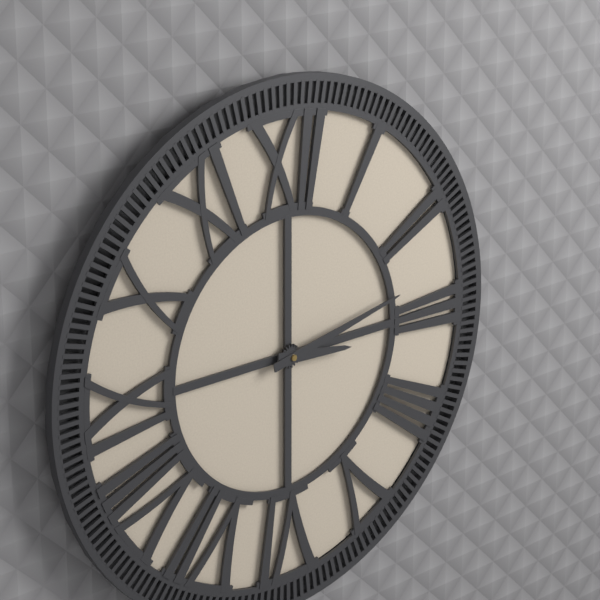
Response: 3:13
